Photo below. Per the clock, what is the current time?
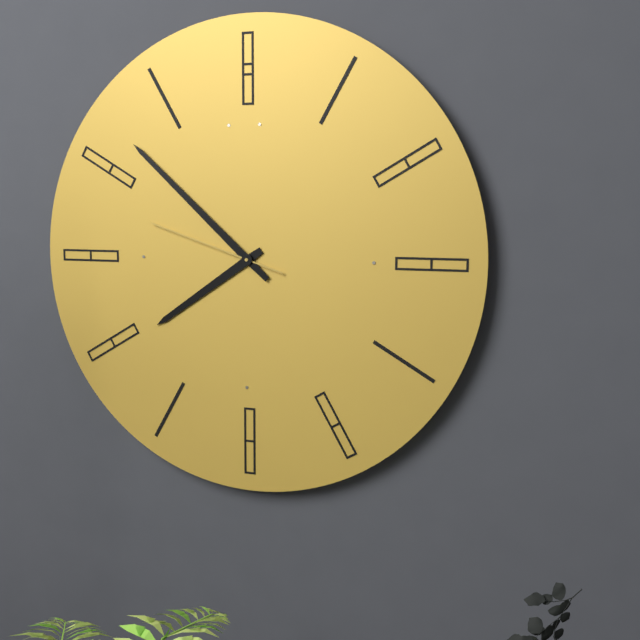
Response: 7:52:48
